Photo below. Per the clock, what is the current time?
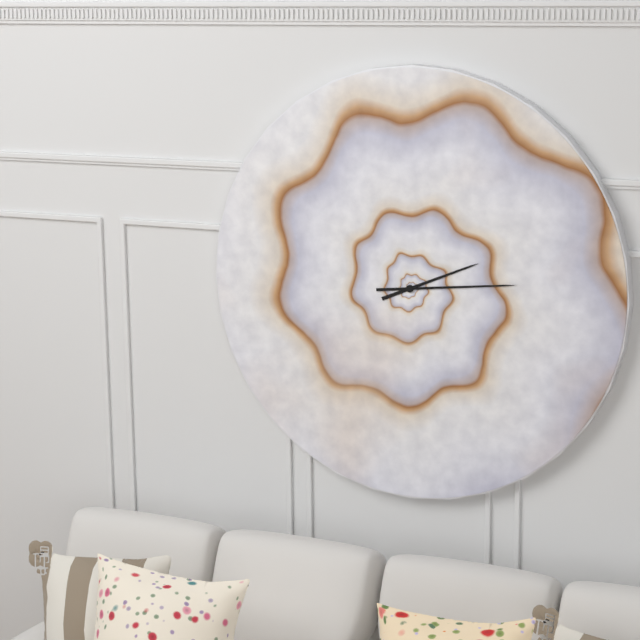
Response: 2:14
